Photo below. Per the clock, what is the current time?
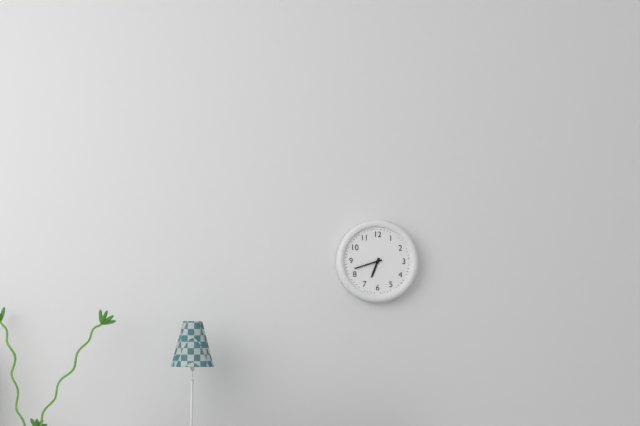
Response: 6:42
